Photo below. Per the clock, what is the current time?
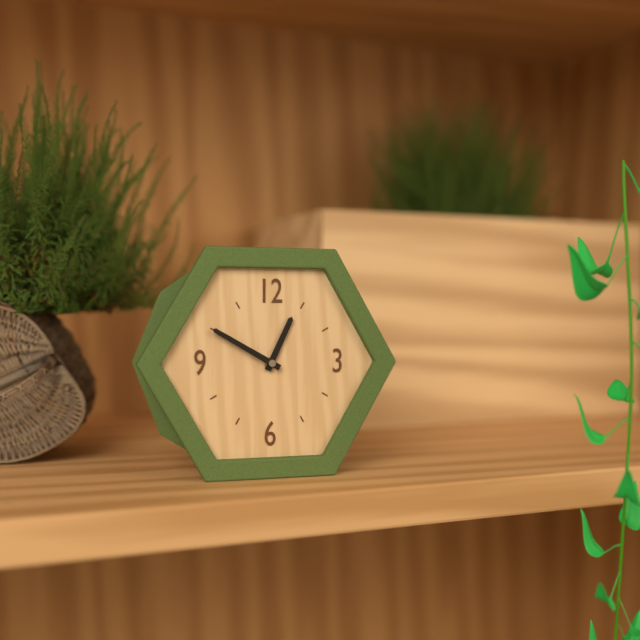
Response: 12:50
